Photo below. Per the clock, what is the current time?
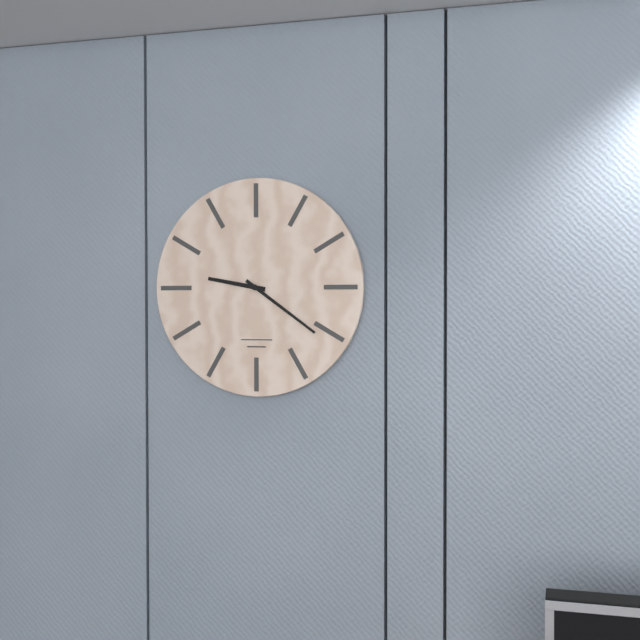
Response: 9:21
